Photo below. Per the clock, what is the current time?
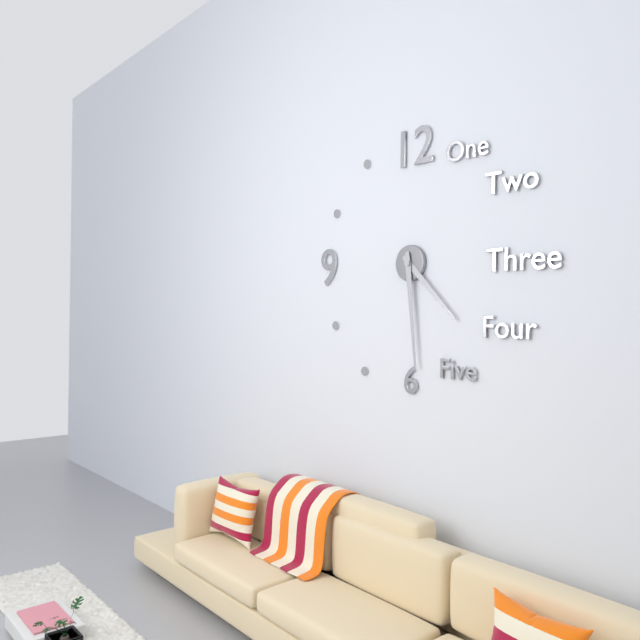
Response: 4:29
